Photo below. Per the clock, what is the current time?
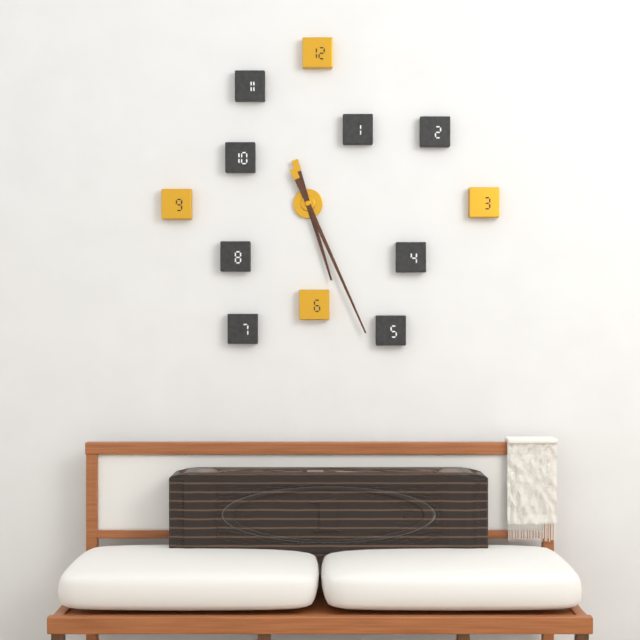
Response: 5:26
